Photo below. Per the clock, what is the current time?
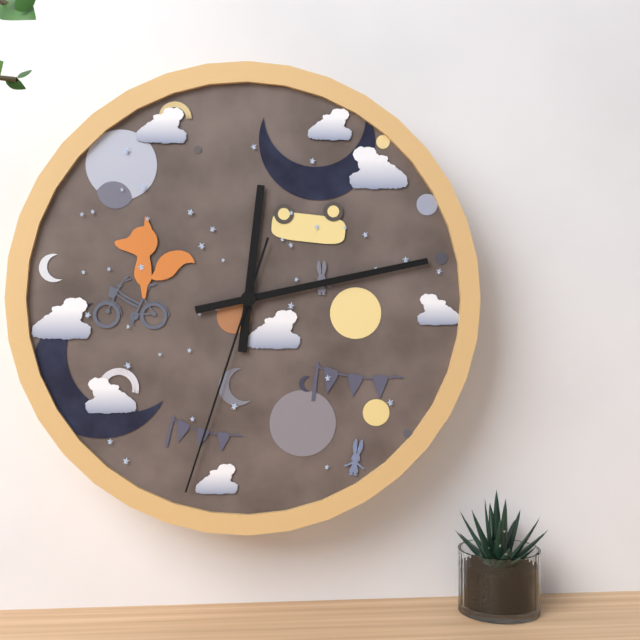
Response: 12:13:33
